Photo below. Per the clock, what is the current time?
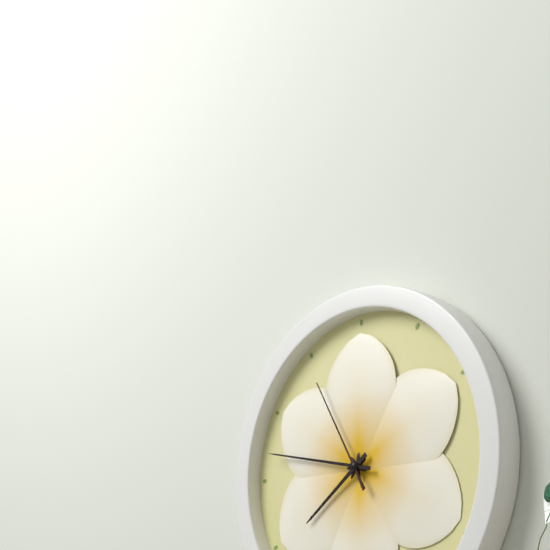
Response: 7:47:55
